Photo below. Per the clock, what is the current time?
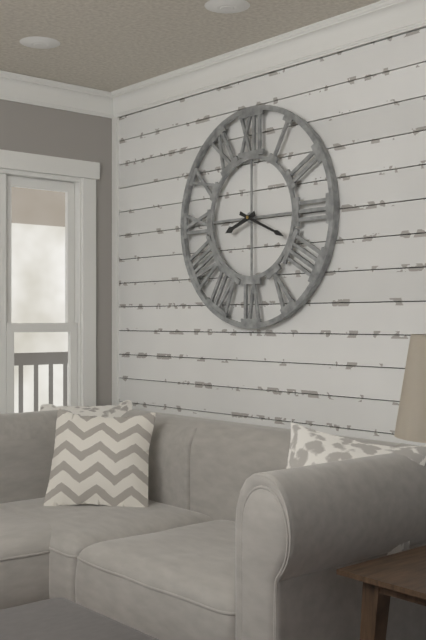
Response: 8:19
